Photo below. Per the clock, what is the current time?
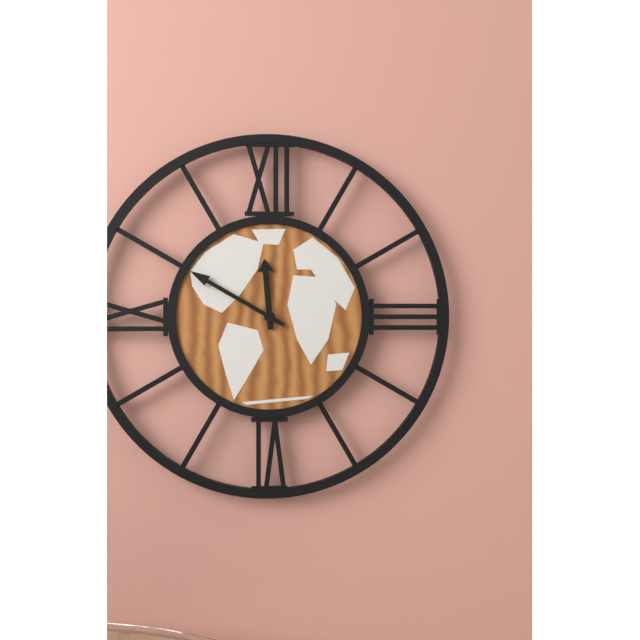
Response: 11:50
